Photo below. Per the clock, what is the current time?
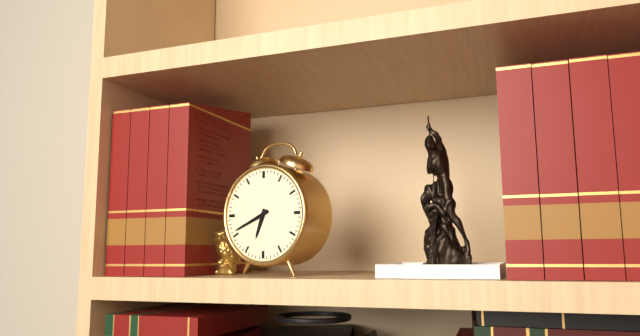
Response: 6:41
